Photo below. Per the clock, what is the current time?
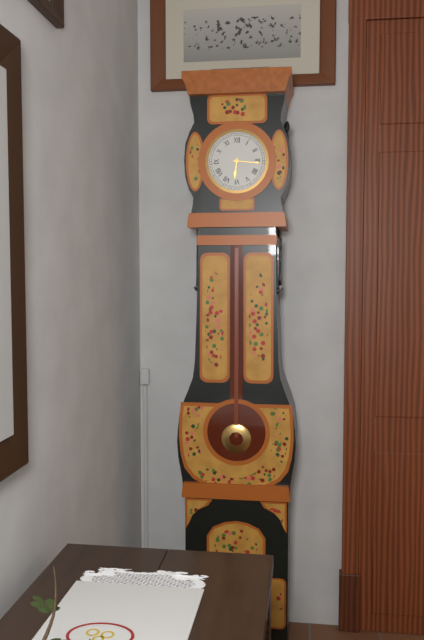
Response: 6:16
